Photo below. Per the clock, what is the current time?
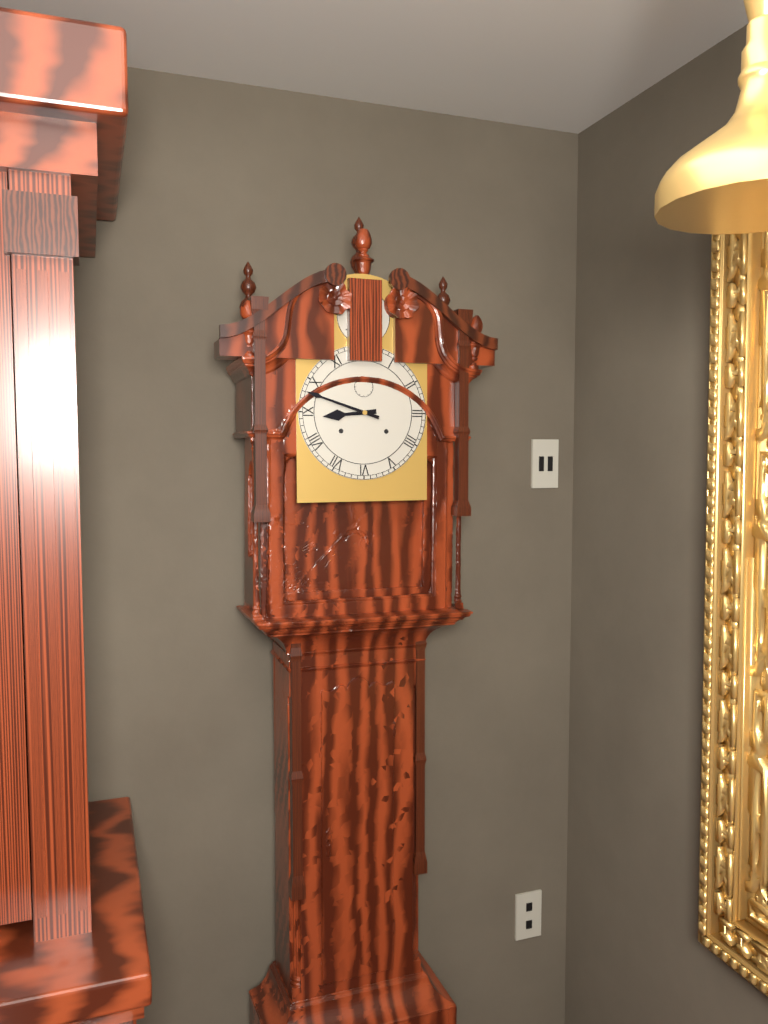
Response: 8:48
